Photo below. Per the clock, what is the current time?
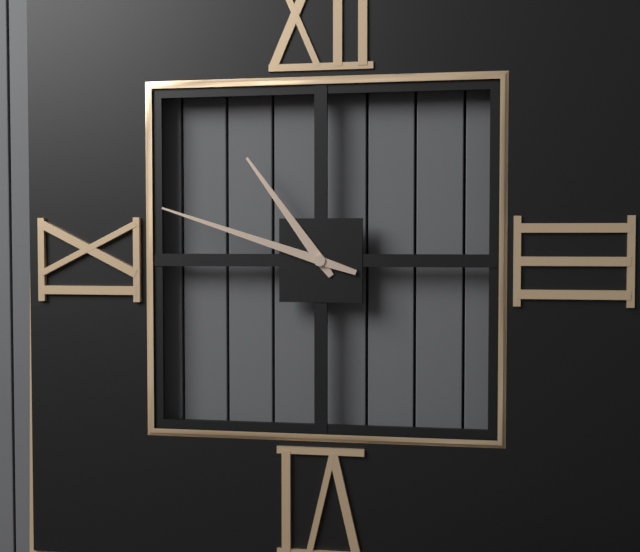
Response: 10:48
